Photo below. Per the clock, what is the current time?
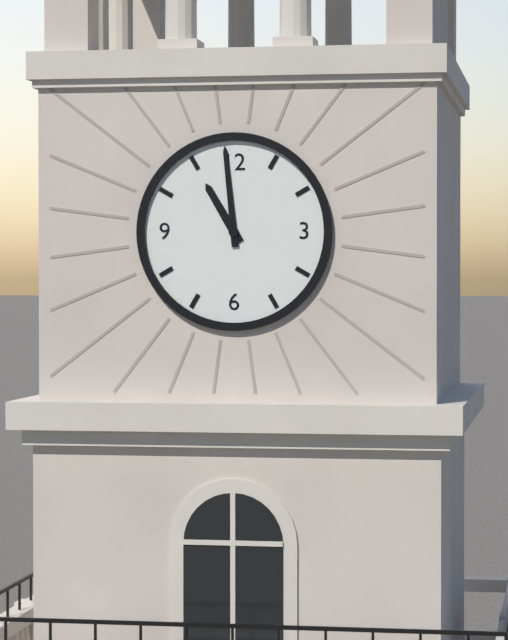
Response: 10:59
